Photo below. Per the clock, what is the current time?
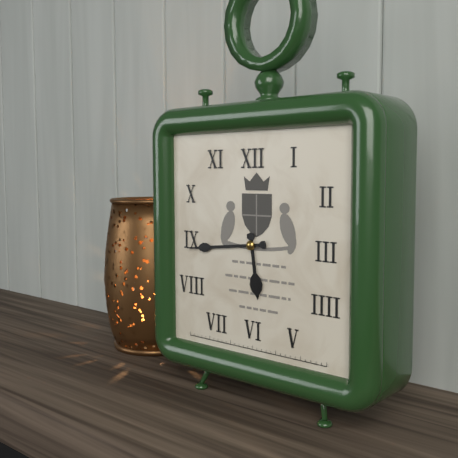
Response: 5:44
